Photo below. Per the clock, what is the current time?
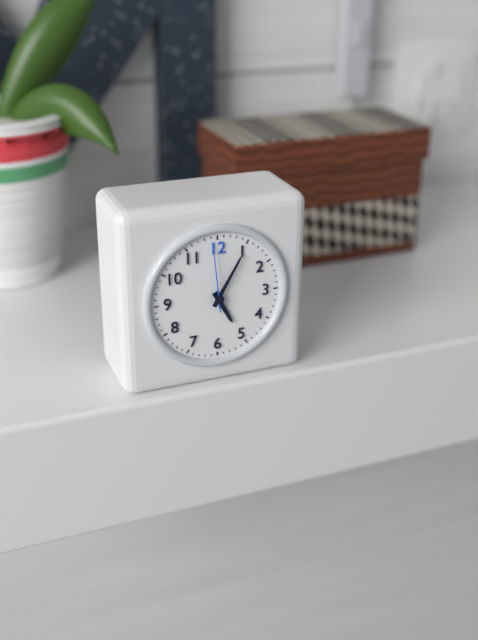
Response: 5:05:59
